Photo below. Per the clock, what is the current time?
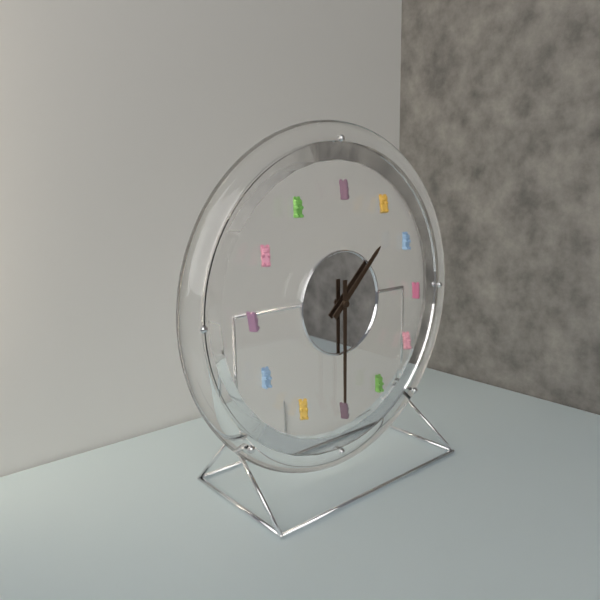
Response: 1:30
